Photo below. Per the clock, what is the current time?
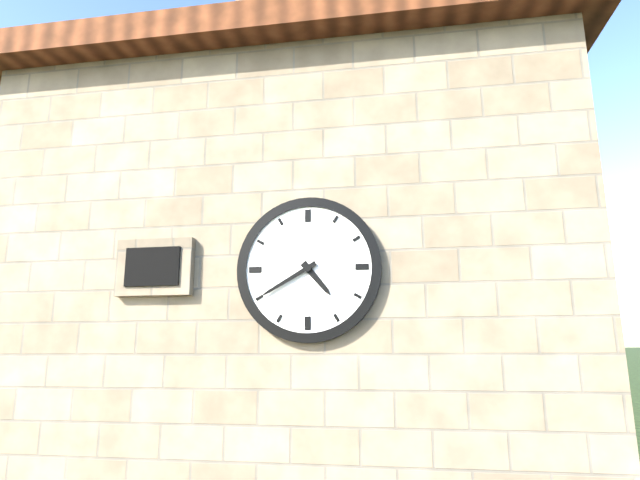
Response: 4:40
